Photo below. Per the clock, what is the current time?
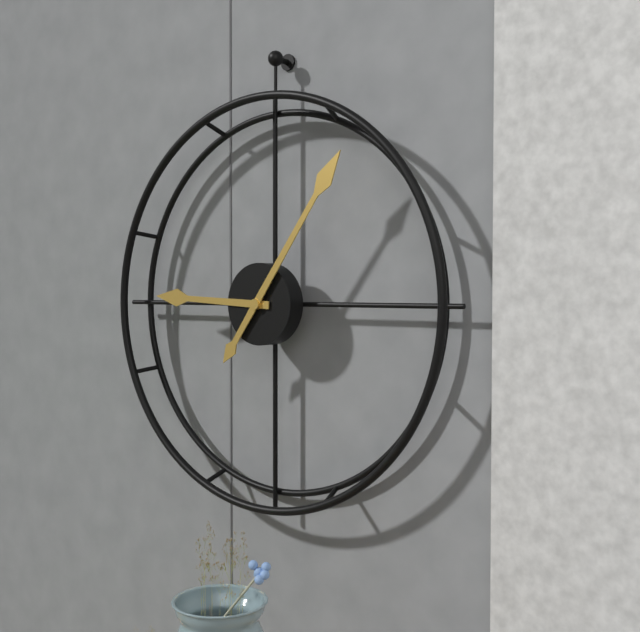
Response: 9:06
